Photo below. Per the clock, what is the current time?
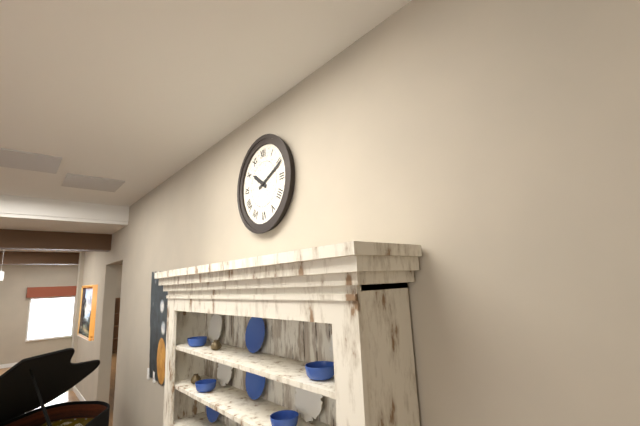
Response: 10:11
